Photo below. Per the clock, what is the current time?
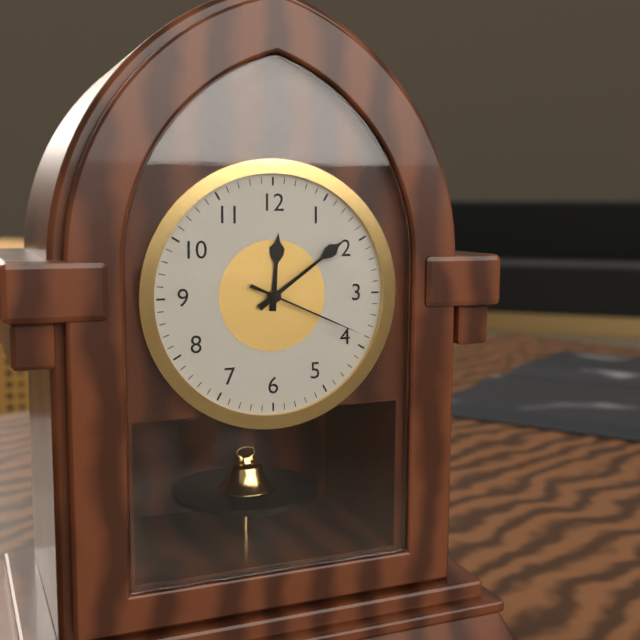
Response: 12:09:19
